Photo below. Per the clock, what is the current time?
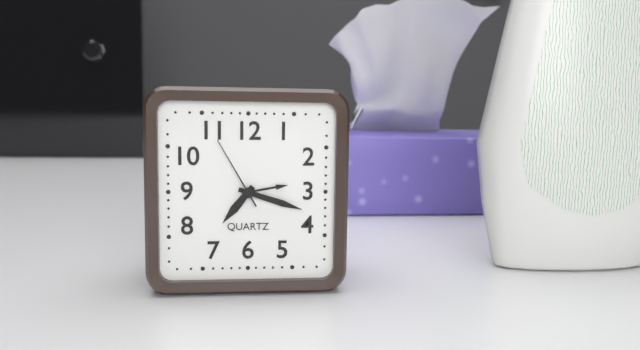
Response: 7:18:55
